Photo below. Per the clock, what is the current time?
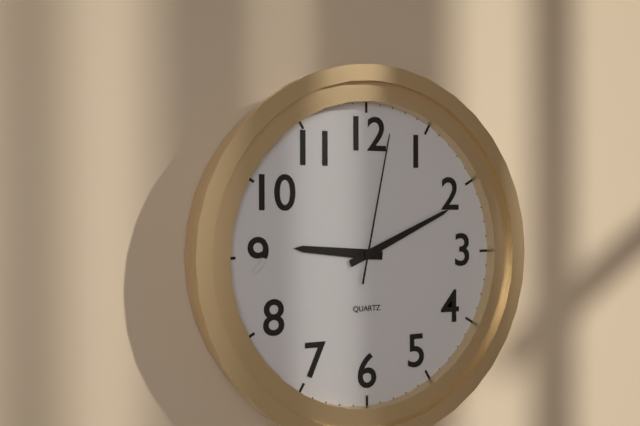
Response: 9:11:02
